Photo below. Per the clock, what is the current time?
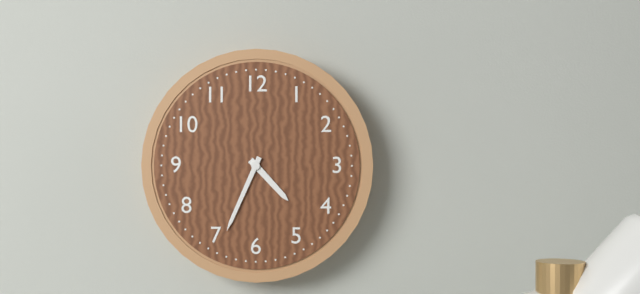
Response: 4:34
